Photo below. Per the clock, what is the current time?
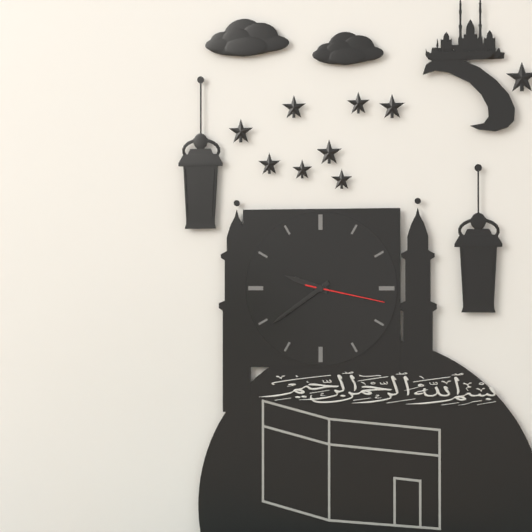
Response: 9:39:17
